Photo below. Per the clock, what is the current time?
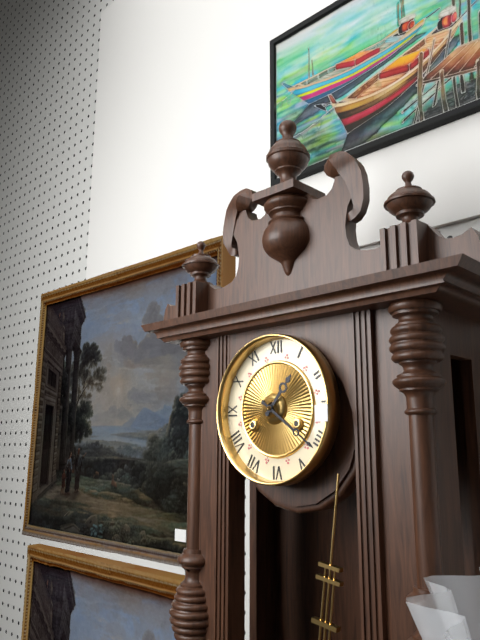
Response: 1:21
